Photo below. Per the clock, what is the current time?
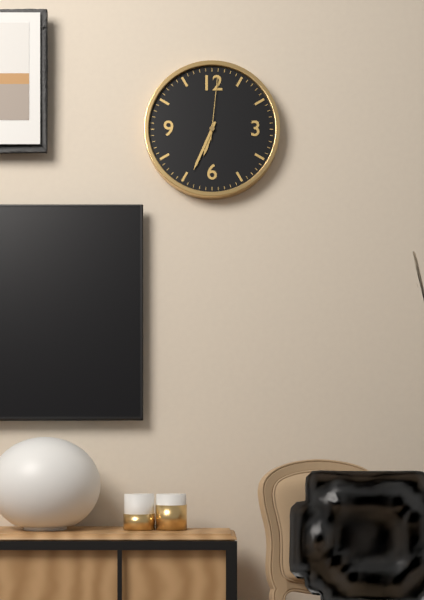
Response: 6:34:01
